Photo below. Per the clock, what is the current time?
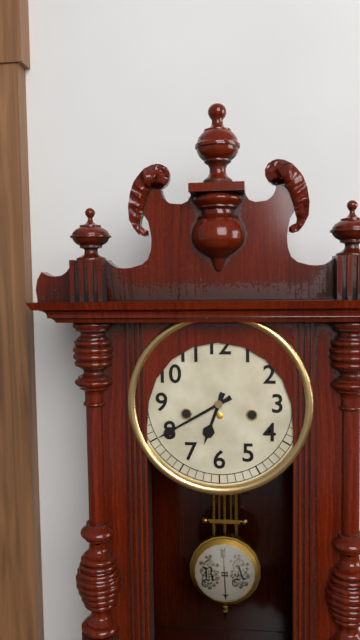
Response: 6:40
